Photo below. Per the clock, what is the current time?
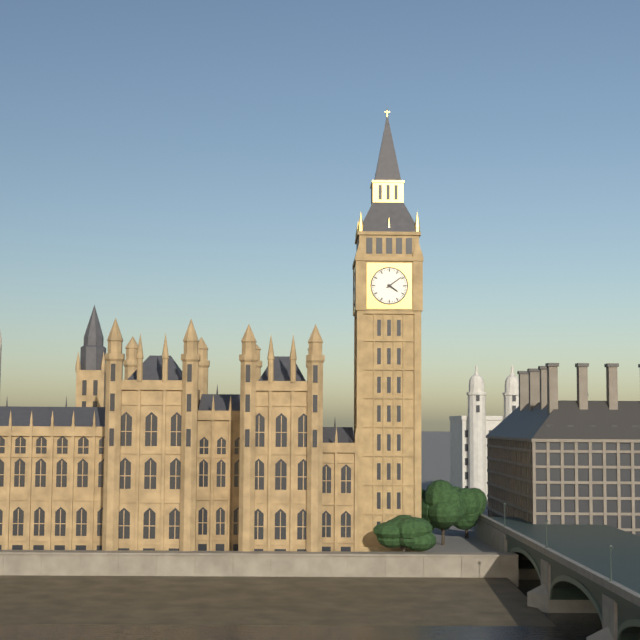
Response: 4:09
